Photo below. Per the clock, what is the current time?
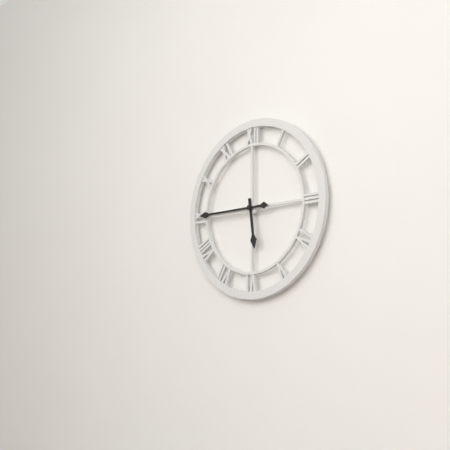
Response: 5:45
